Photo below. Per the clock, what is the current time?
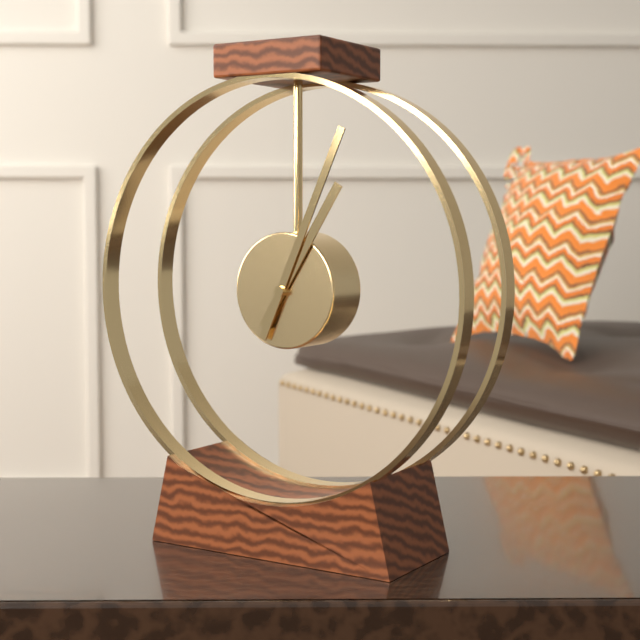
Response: 1:04
